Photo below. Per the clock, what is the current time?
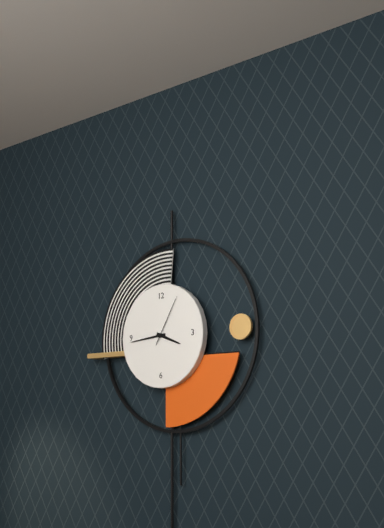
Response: 3:44:05
